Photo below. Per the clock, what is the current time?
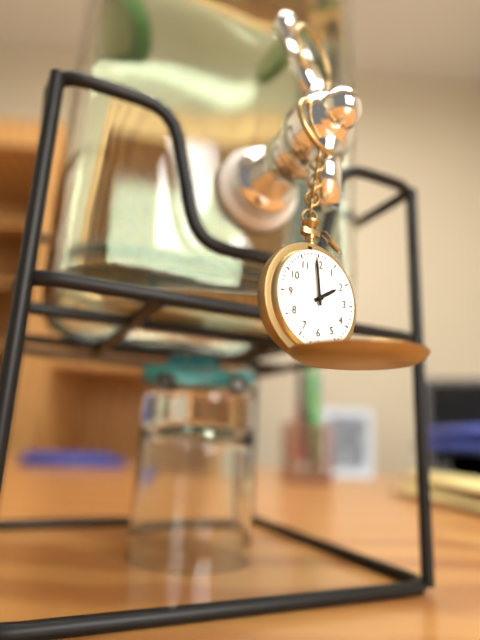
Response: 1:59
